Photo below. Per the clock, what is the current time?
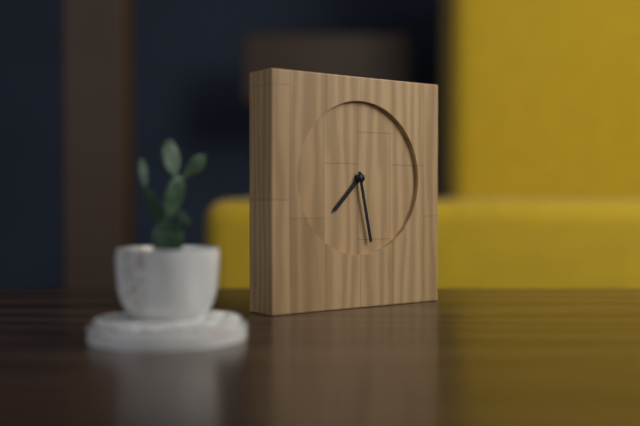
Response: 7:28
